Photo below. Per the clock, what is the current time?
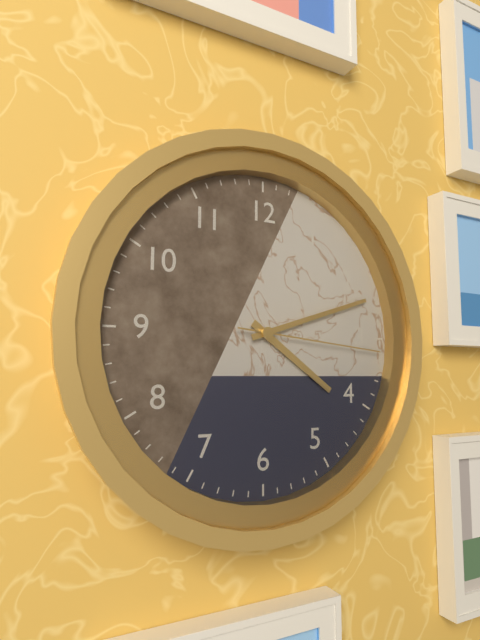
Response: 4:12:16
